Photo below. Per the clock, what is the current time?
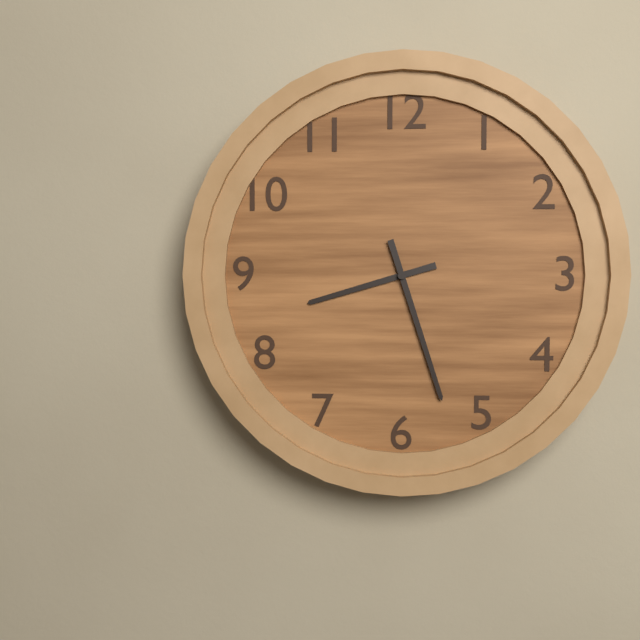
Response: 8:27
